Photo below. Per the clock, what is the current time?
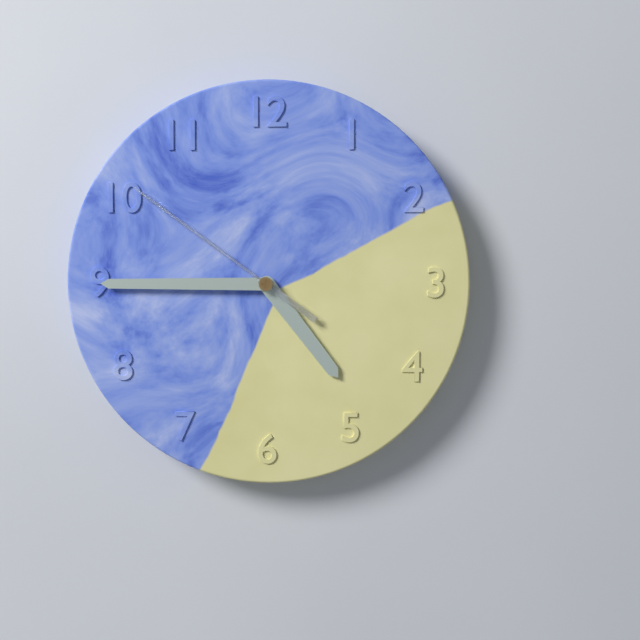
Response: 4:45:51
